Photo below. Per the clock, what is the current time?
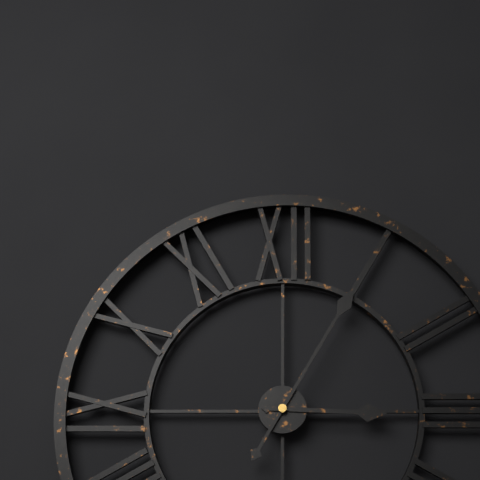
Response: 3:05
